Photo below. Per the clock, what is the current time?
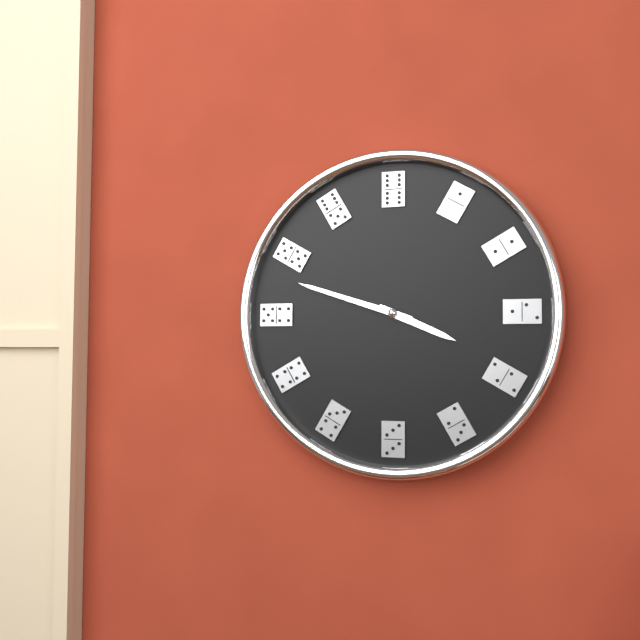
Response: 3:48
